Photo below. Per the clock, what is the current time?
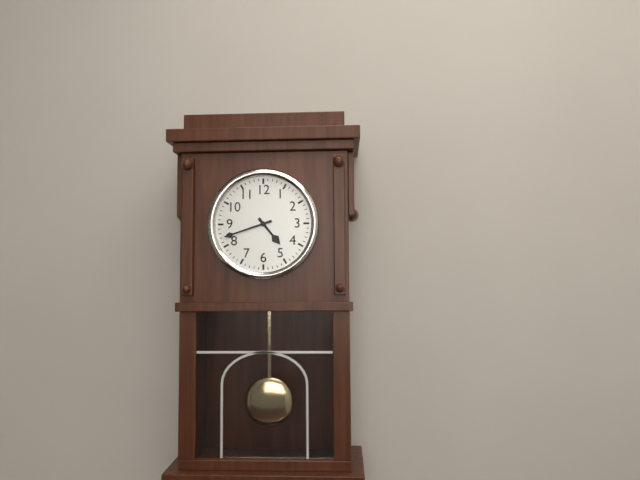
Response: 4:42
